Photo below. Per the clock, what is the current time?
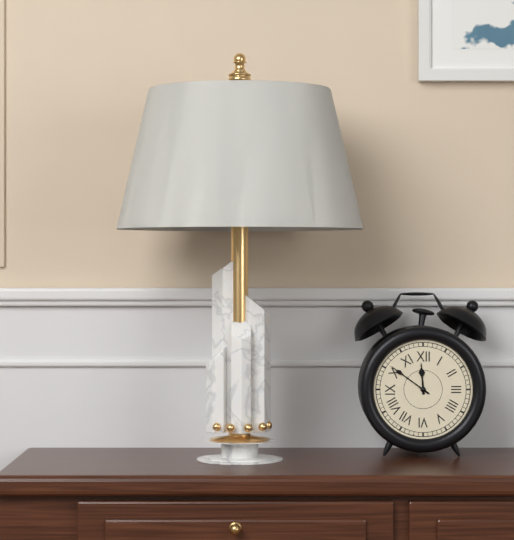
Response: 11:51
